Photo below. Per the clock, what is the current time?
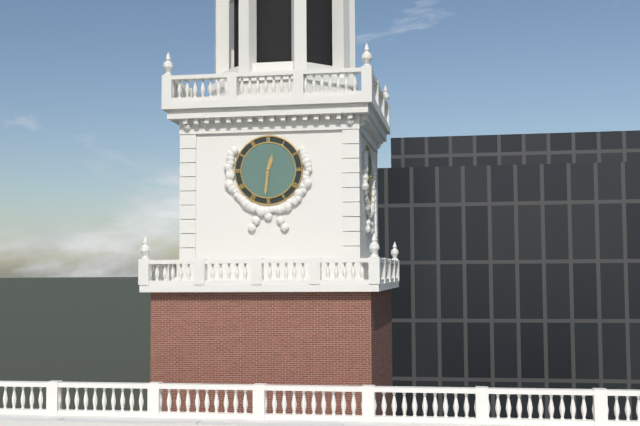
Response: 12:31
